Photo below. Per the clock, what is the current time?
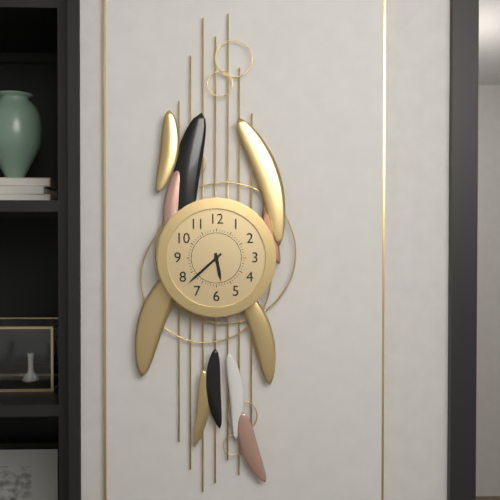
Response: 5:38
